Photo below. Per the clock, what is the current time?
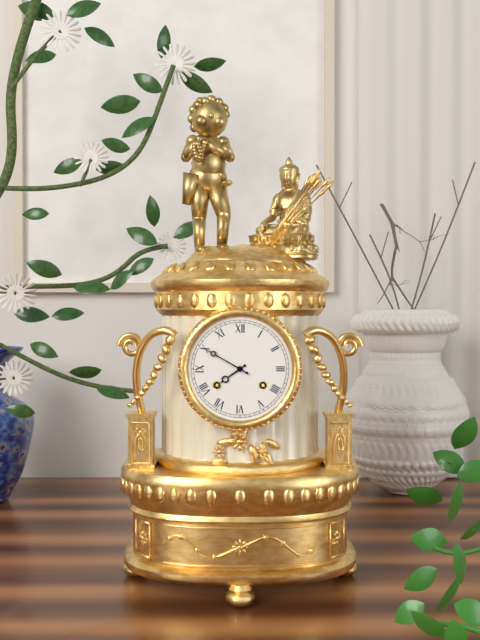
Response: 7:50
